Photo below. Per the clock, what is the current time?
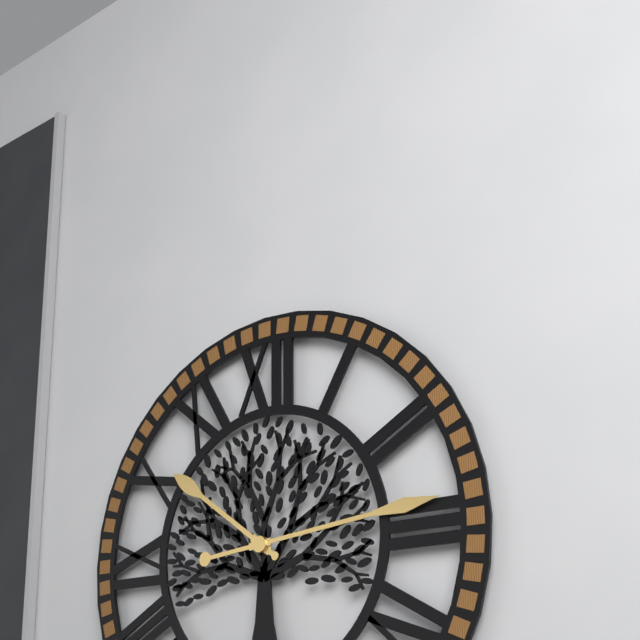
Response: 10:14
